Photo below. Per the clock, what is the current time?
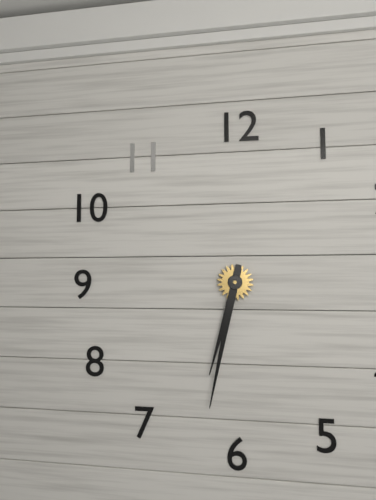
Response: 6:32
